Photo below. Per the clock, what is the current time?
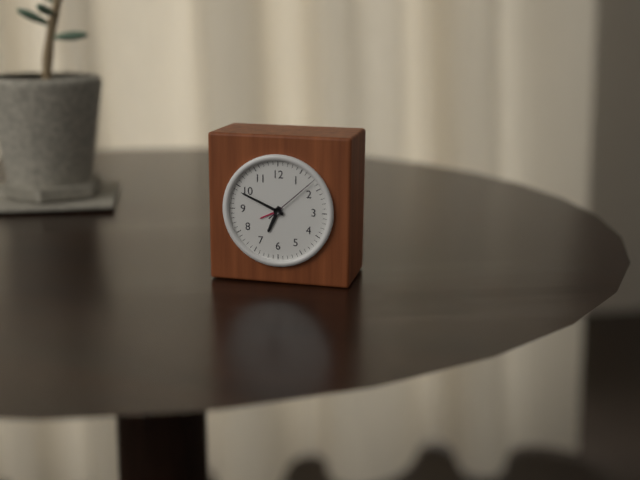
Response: 6:49:08
